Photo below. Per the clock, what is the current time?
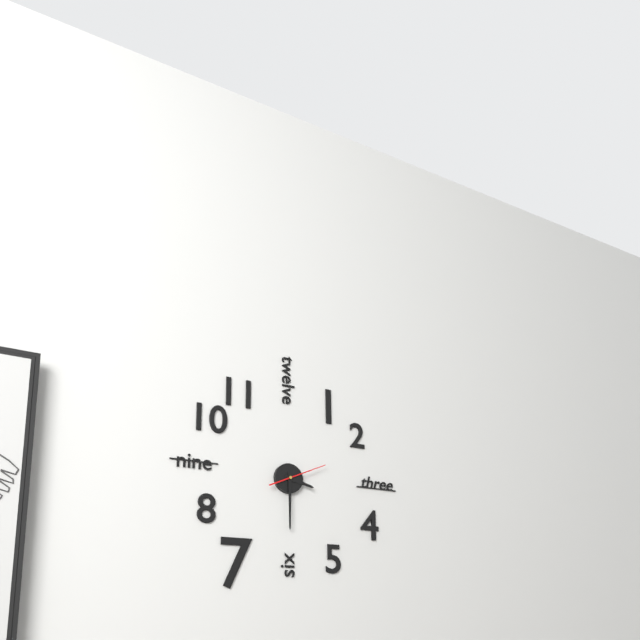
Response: 3:30:11
